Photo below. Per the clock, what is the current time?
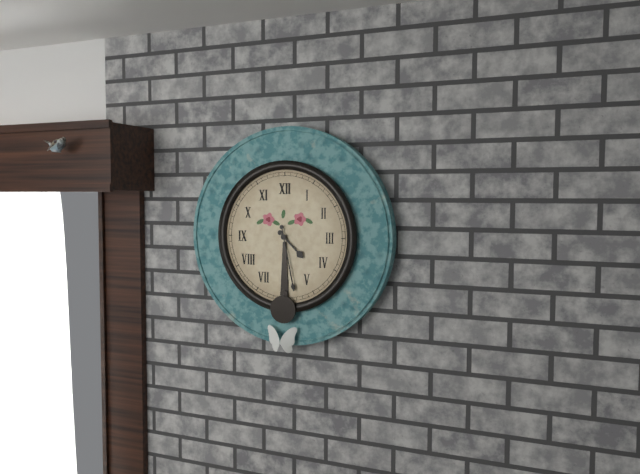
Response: 4:28
